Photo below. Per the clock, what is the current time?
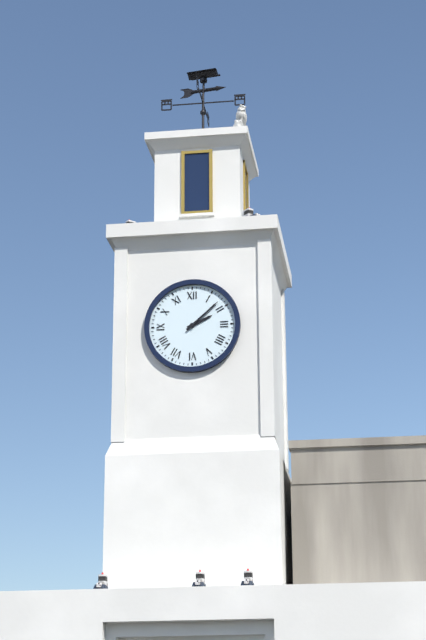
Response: 2:08
